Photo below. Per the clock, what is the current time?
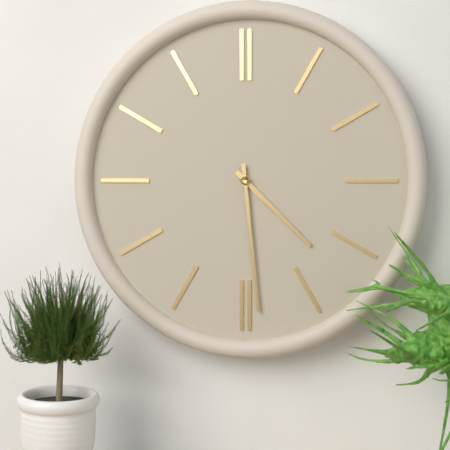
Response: 4:29
